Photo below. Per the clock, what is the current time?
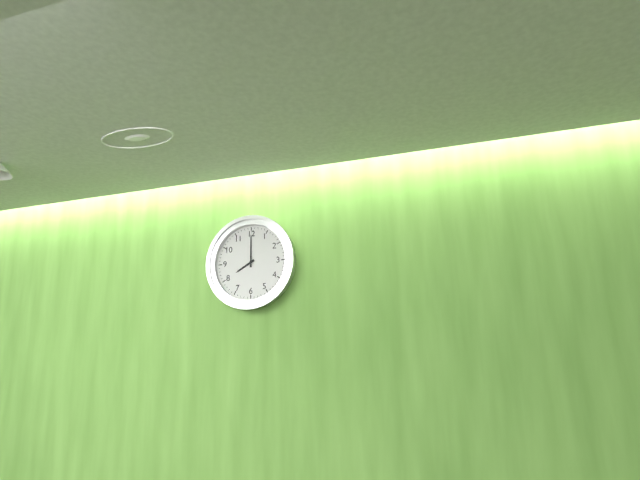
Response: 8:00
